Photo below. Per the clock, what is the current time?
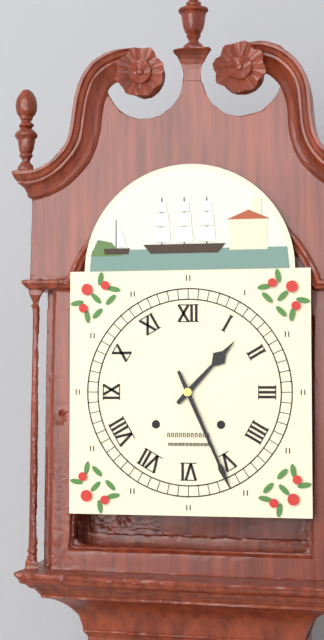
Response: 1:26
